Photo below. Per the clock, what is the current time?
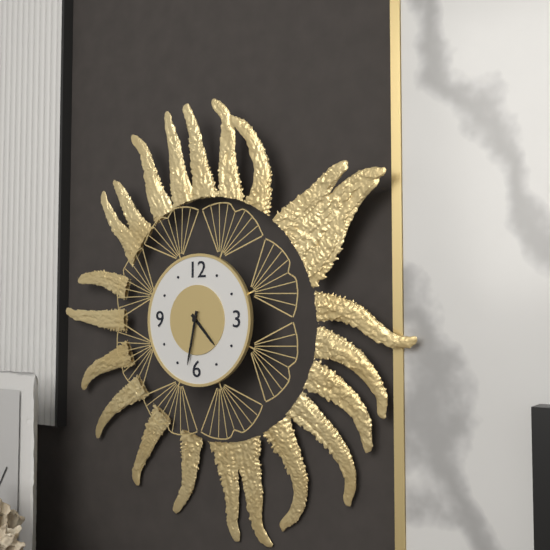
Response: 4:32
